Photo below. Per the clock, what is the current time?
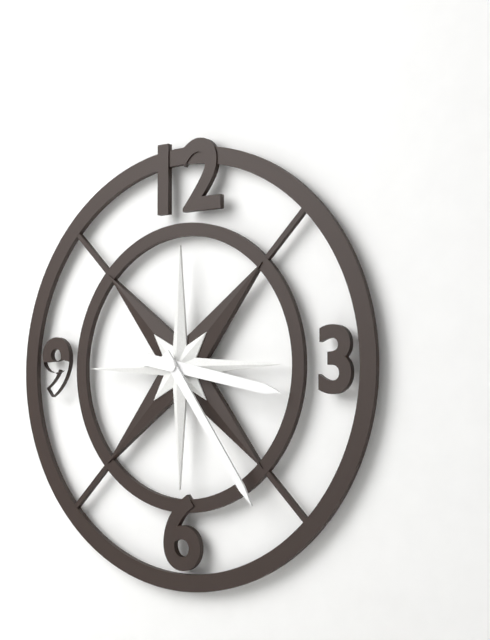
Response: 3:24
